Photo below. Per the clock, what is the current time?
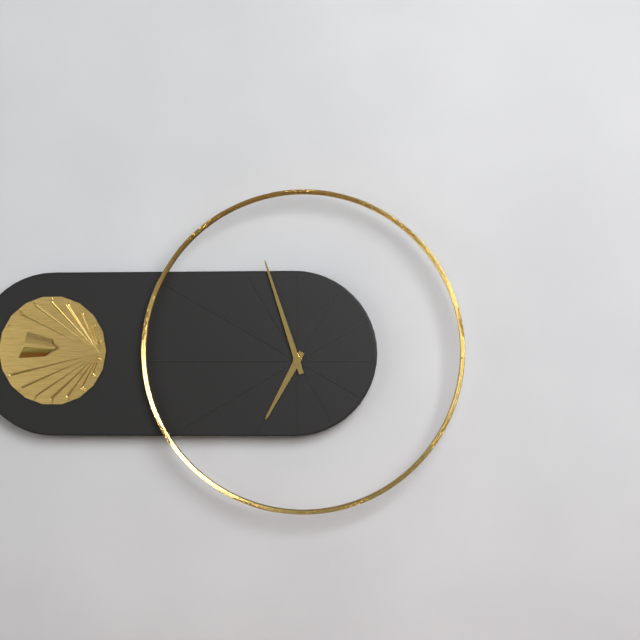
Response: 6:57
